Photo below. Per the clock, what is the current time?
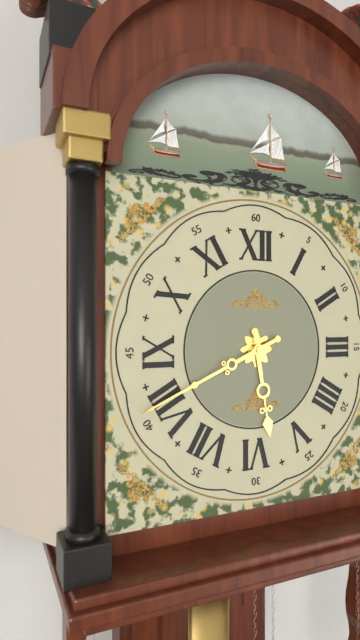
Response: 5:41
